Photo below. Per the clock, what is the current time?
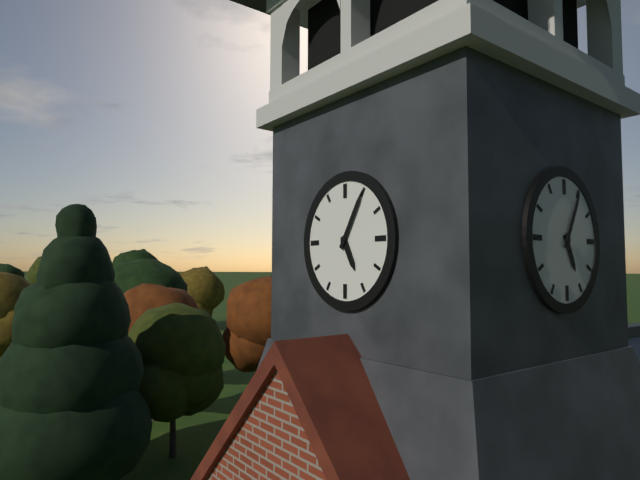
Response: 5:05
